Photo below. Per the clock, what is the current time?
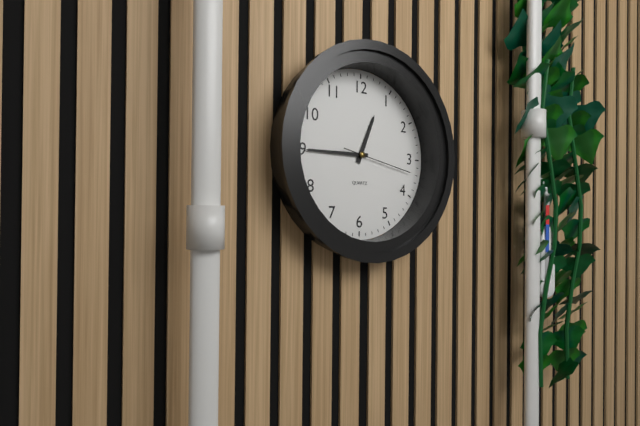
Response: 12:45:17
